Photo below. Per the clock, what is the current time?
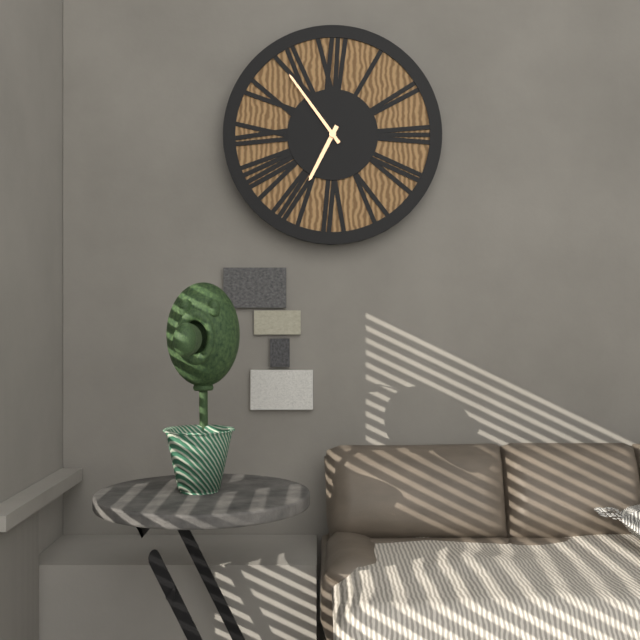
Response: 6:54
